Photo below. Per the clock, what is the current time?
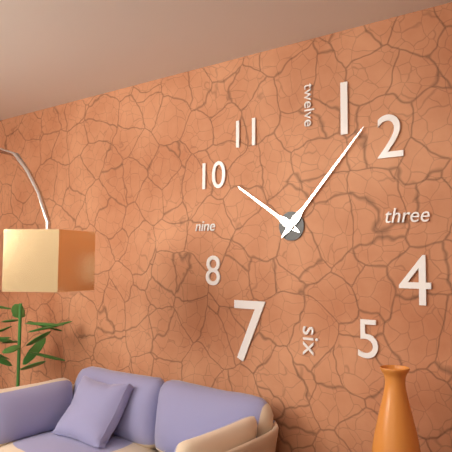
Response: 10:07
